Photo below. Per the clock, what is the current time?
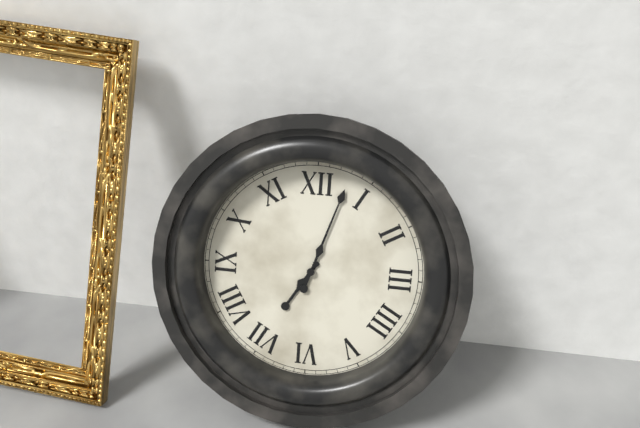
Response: 7:03
